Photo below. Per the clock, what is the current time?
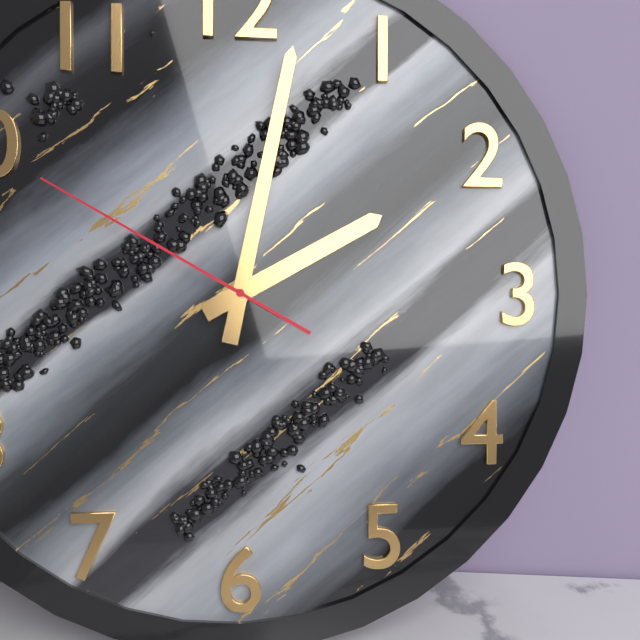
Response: 2:02:50
